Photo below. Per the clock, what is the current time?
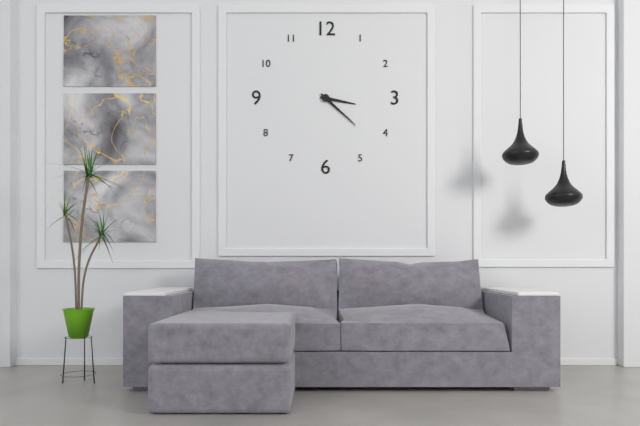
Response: 3:22
